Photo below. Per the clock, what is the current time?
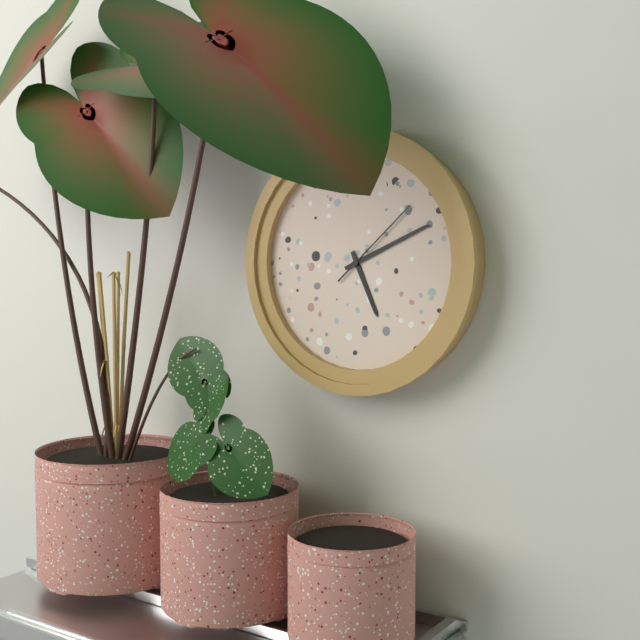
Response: 5:11:08
